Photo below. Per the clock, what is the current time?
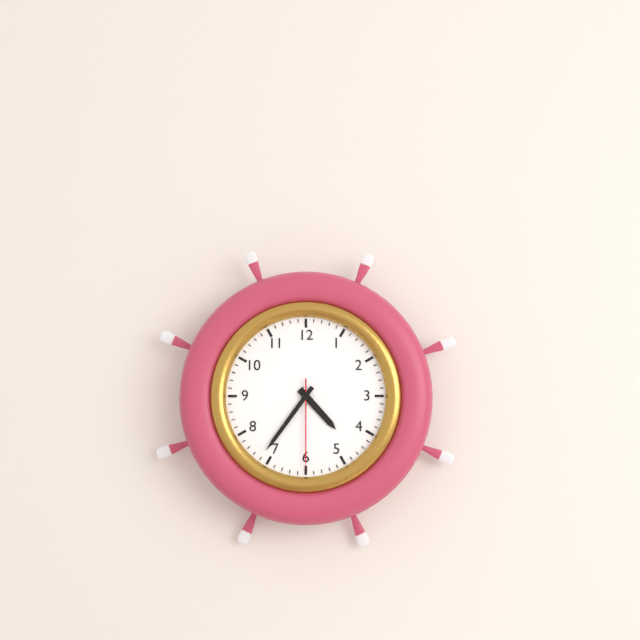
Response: 4:36:30
